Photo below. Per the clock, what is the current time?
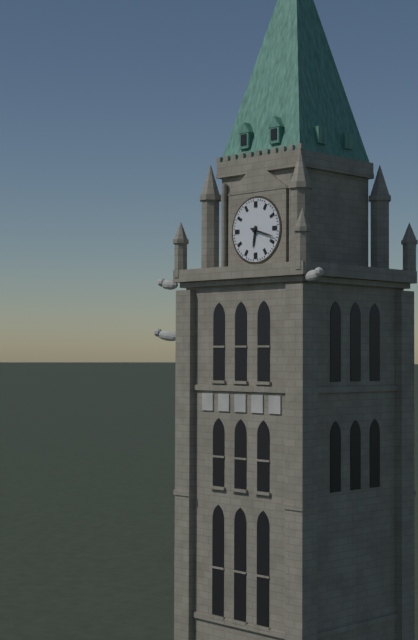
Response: 6:18
